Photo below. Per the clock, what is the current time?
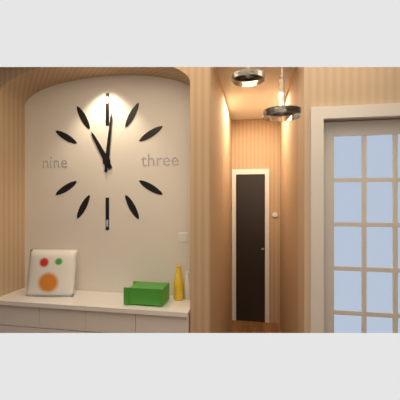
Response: 11:01
